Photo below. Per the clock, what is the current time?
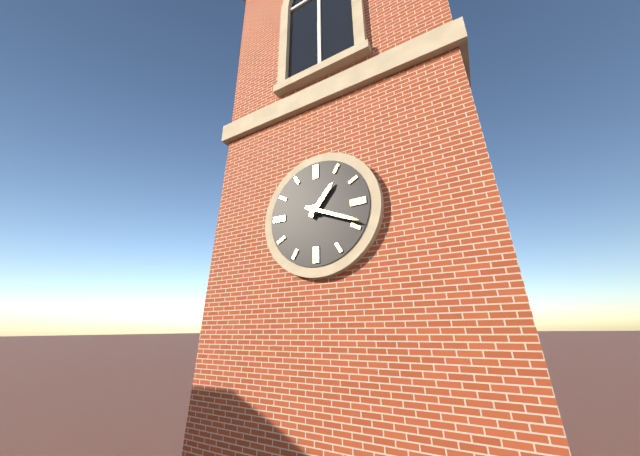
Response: 1:19
